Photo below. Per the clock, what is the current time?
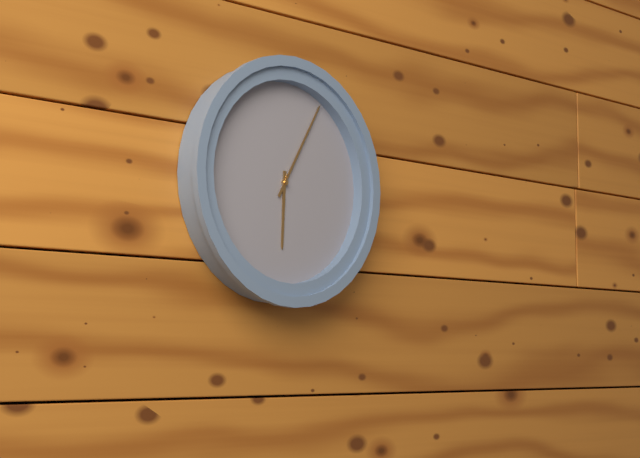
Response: 6:05
